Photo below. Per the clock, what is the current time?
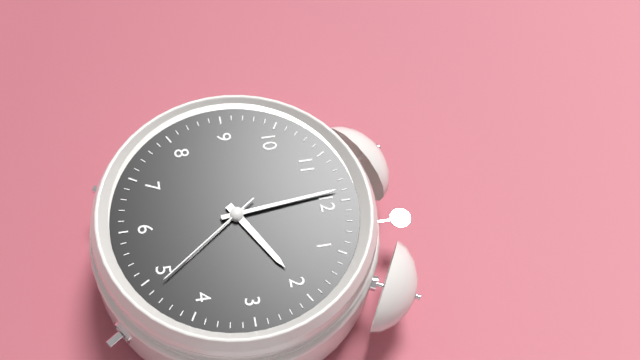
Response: 1:59:24
